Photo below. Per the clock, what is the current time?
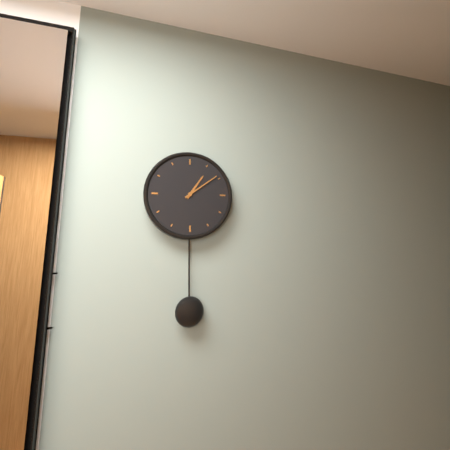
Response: 1:09
